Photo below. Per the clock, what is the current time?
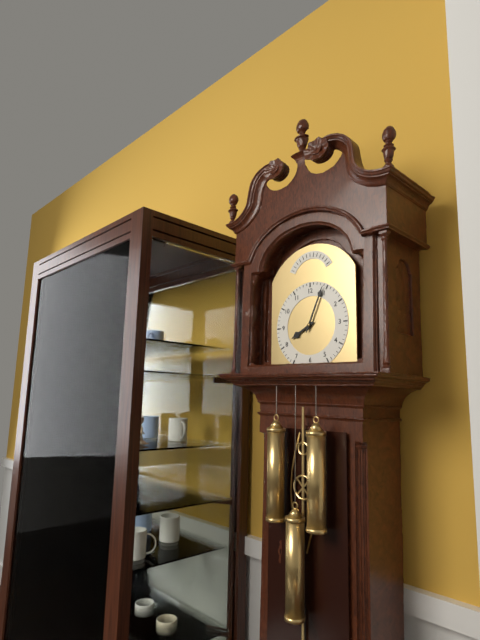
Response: 8:04
